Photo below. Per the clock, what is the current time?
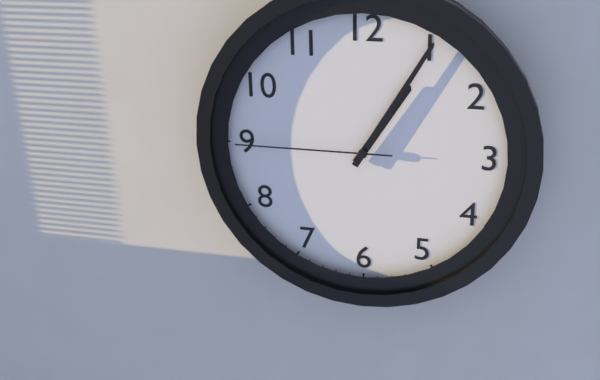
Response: 1:05:45
